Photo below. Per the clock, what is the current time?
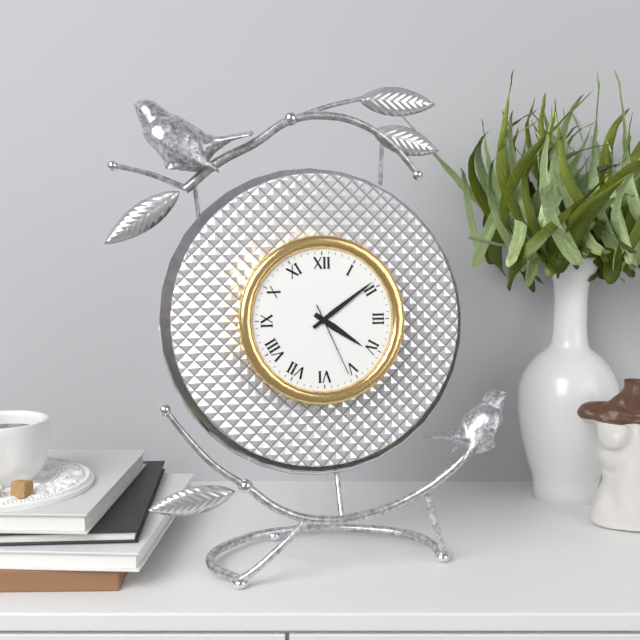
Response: 4:09:26
